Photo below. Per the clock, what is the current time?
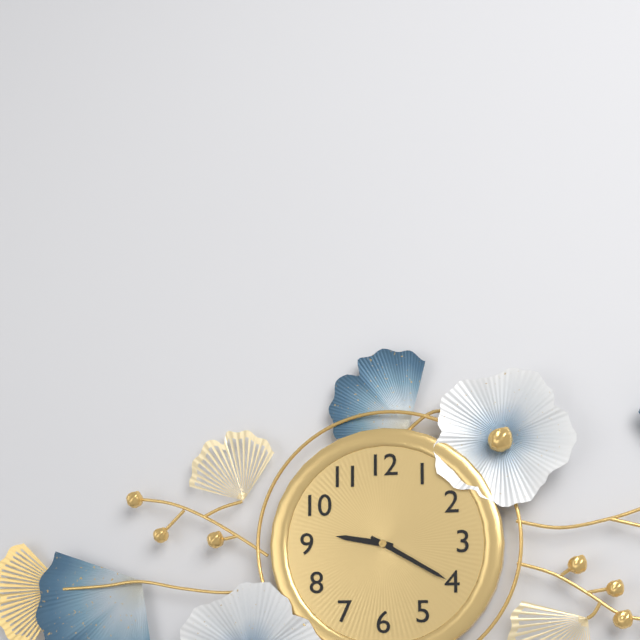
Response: 9:20
